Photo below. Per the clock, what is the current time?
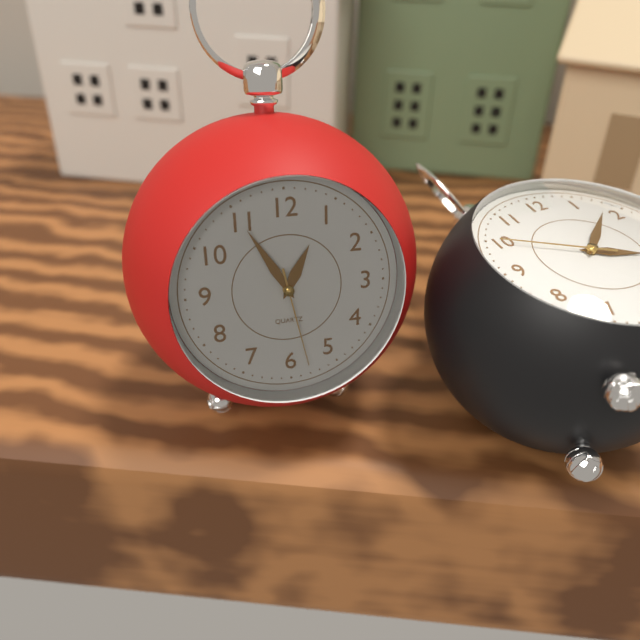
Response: 12:55:28
